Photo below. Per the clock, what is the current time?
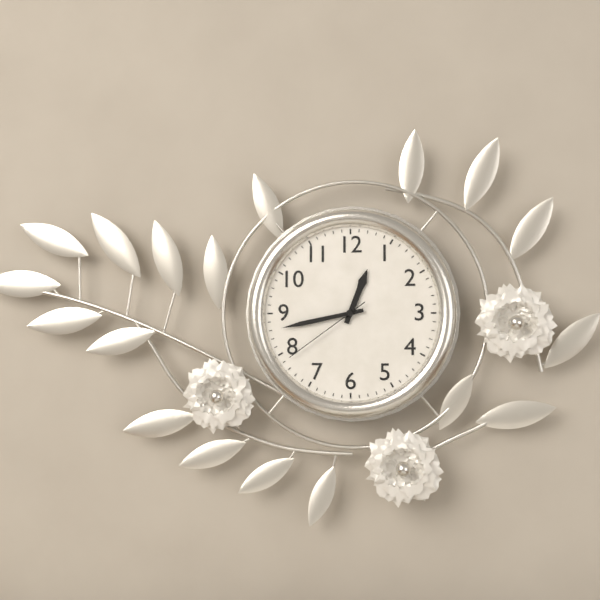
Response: 12:43:39
